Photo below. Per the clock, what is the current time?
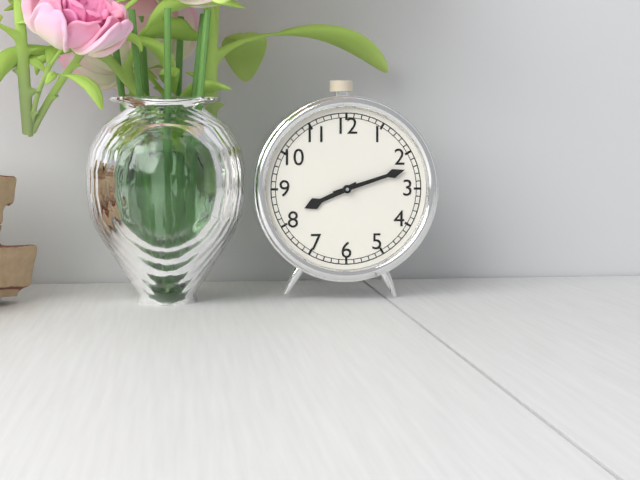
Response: 8:12
